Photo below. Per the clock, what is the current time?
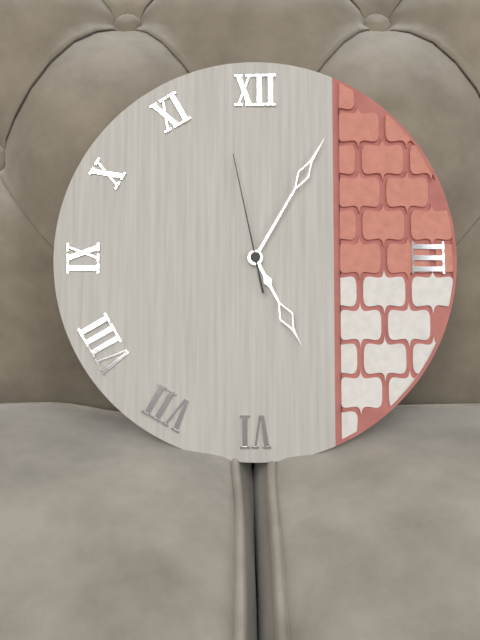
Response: 5:05:58
